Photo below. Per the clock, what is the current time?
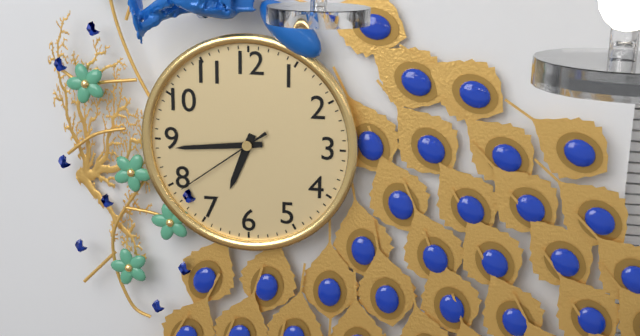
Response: 6:44:39
